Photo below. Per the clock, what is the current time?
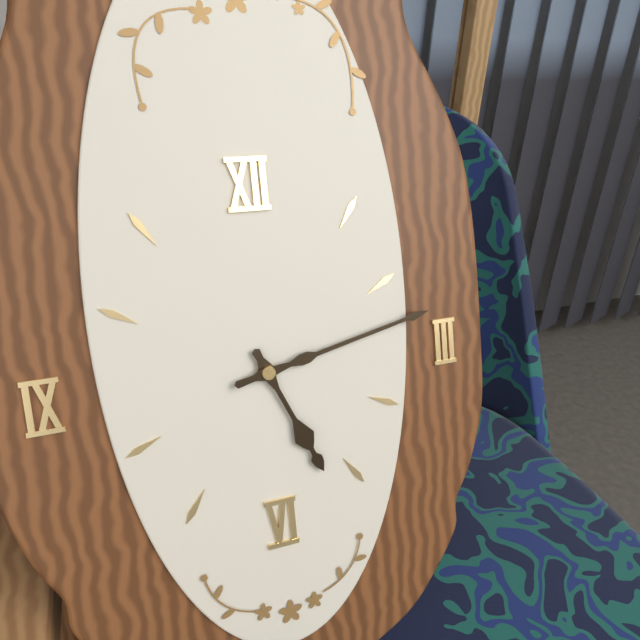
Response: 5:13
